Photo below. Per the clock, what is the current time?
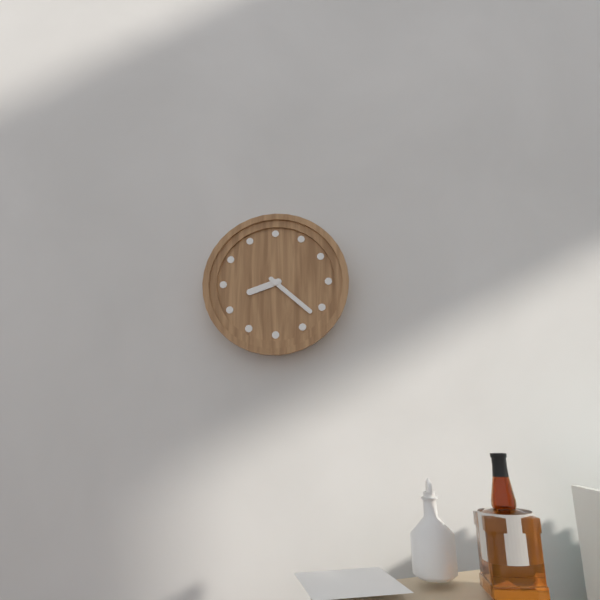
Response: 8:22
